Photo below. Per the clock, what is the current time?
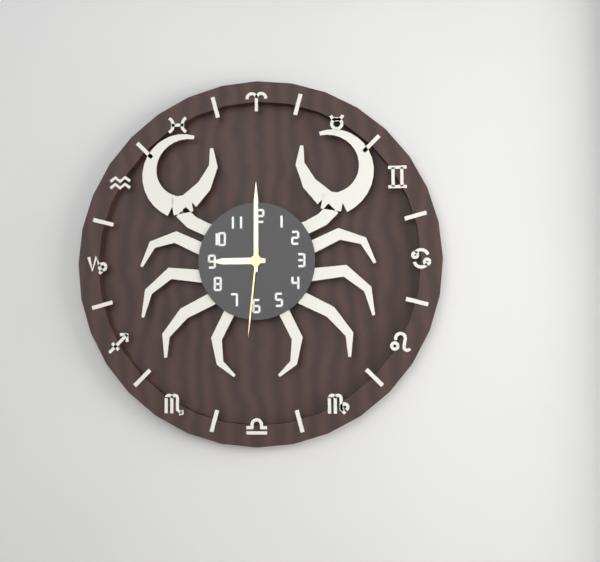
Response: 9:00:31
